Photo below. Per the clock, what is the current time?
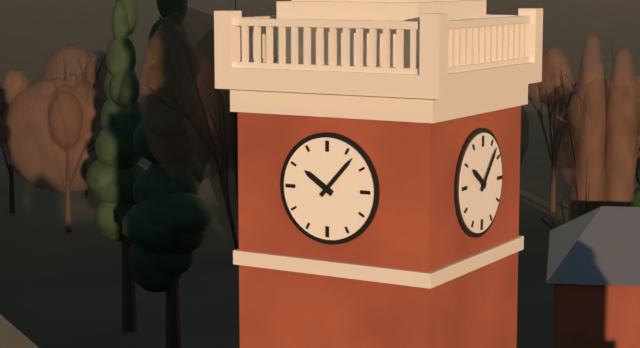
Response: 10:07
